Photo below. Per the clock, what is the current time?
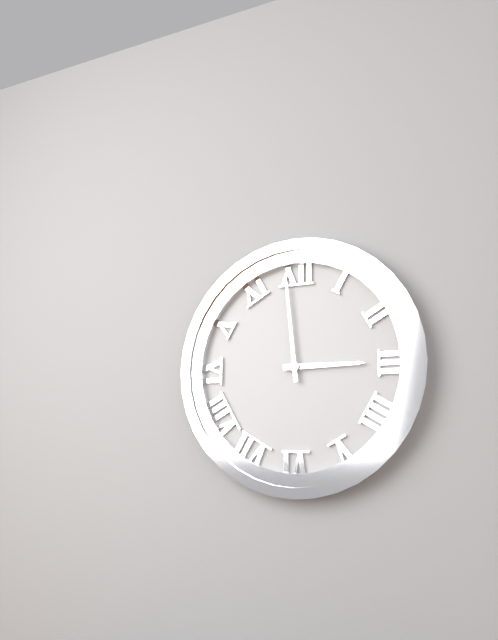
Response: 2:59
